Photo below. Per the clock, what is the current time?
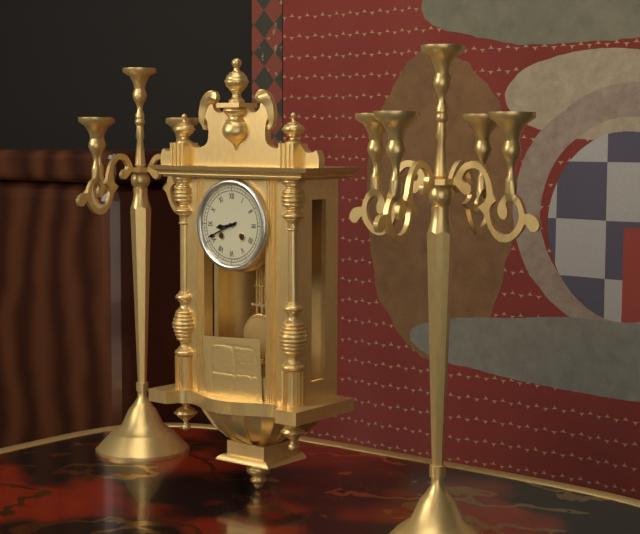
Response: 8:41
